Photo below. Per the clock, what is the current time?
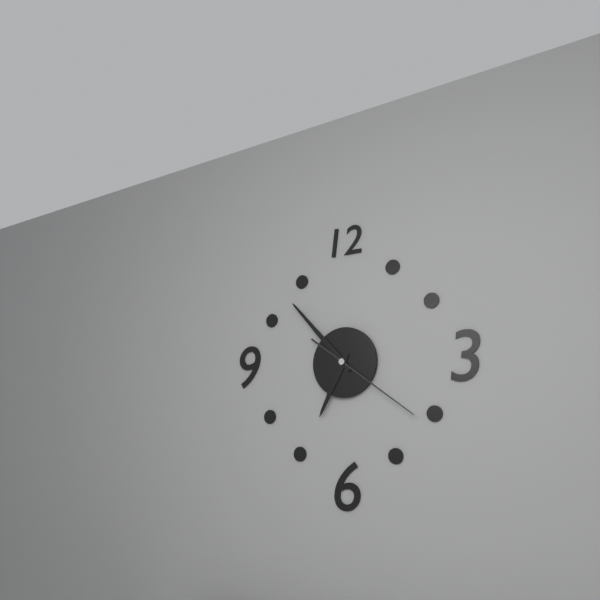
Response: 6:53:21
